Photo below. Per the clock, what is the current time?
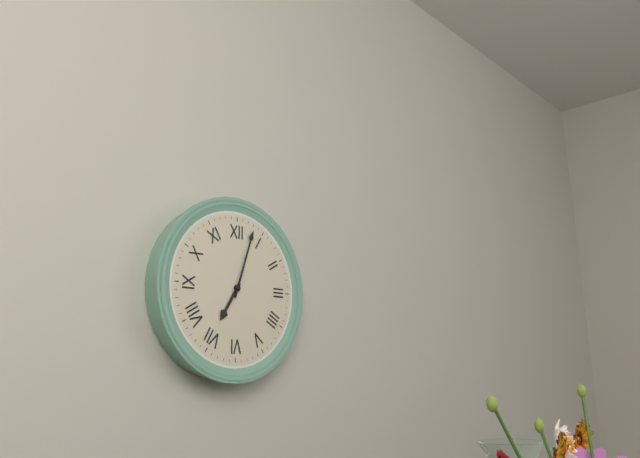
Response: 7:03
